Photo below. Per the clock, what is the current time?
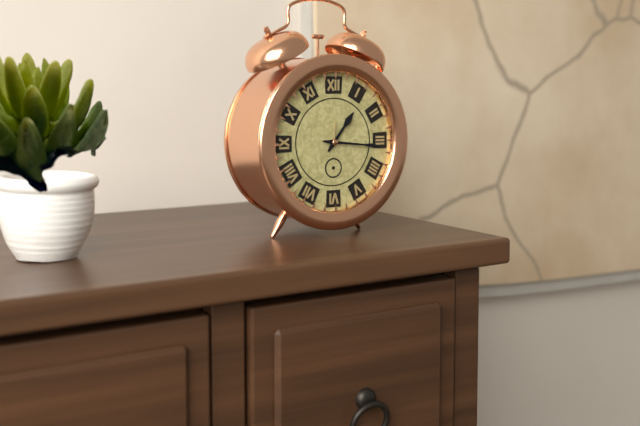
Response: 1:16
